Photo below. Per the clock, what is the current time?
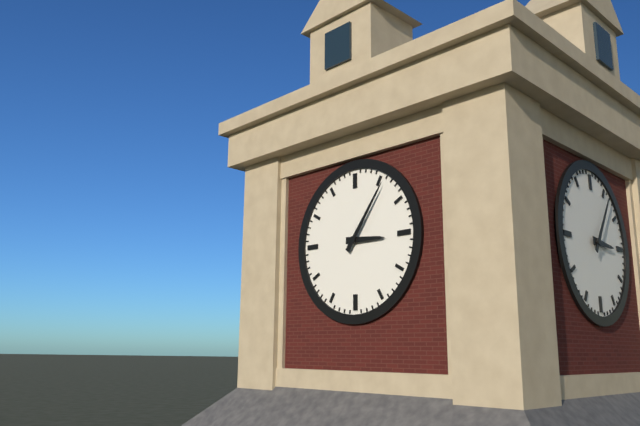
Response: 3:06
